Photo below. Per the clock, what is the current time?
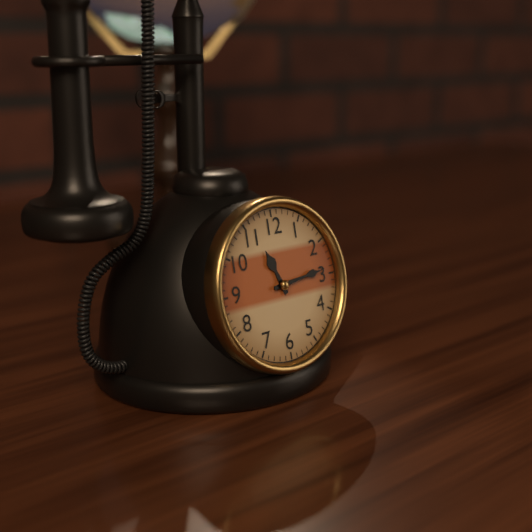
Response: 11:14
